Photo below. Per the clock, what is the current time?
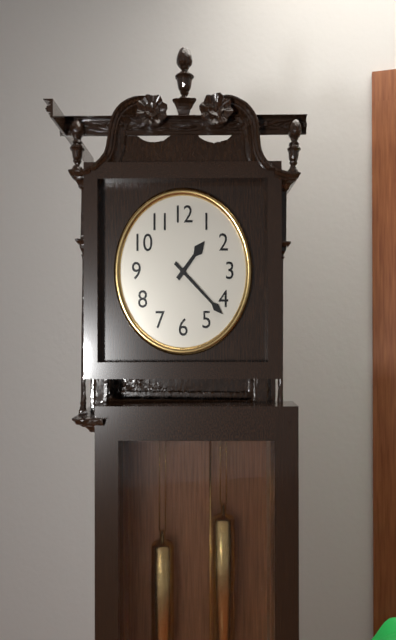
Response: 1:22
